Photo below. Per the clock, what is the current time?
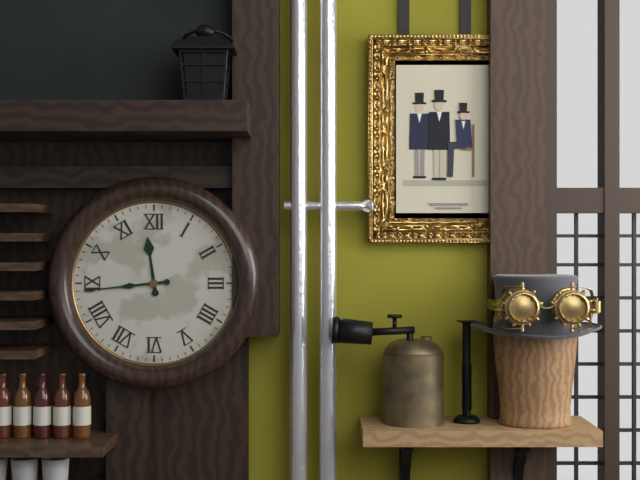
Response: 11:44
